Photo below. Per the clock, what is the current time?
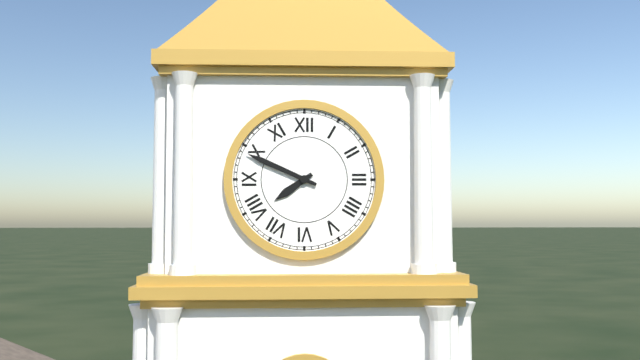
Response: 7:49
